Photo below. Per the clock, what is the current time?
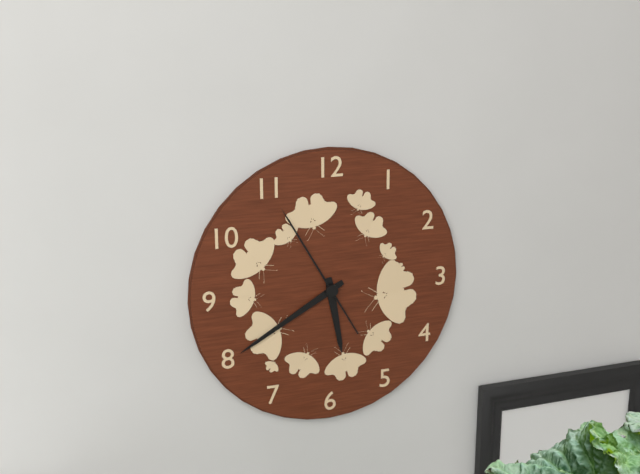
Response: 5:40:55
